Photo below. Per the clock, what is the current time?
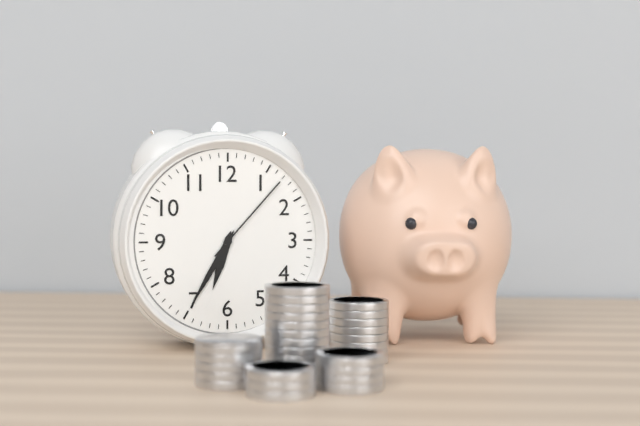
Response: 6:35:07
